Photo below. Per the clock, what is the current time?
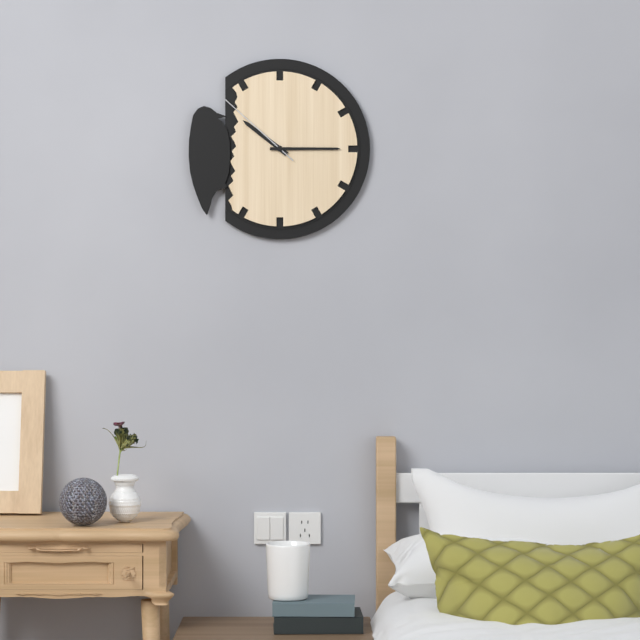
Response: 10:15:52
